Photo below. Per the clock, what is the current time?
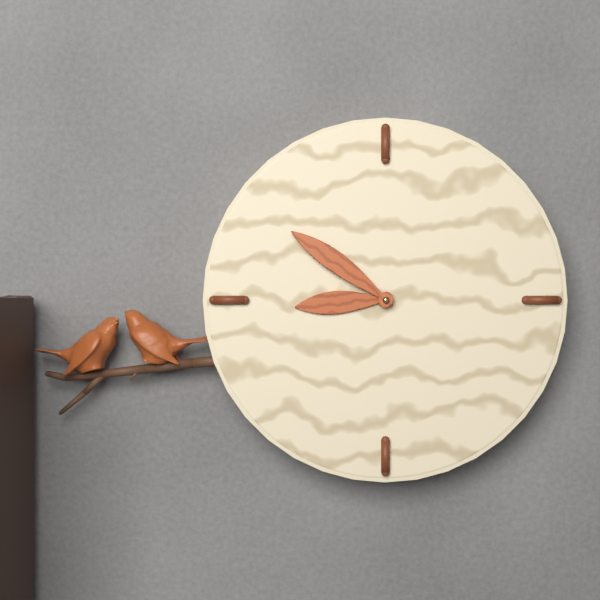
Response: 8:51
